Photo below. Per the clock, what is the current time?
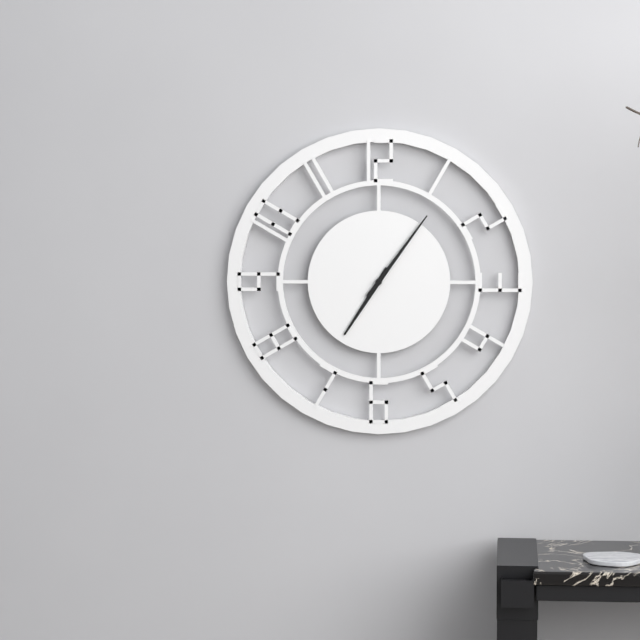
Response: 7:06
